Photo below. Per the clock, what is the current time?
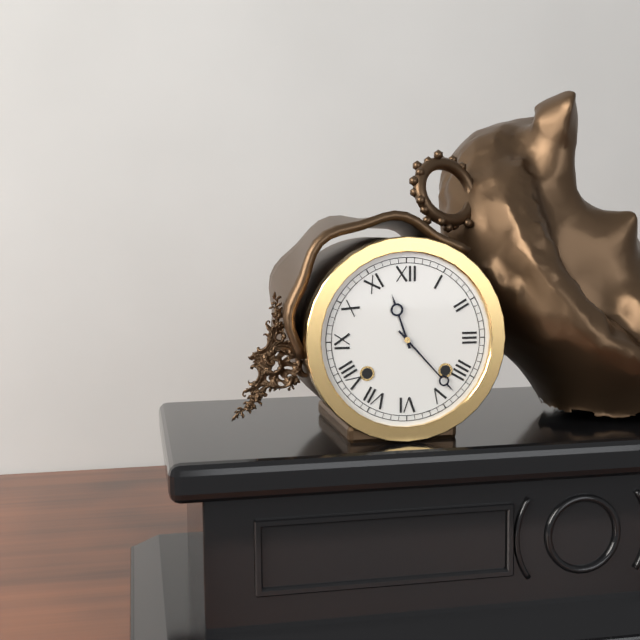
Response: 11:23
